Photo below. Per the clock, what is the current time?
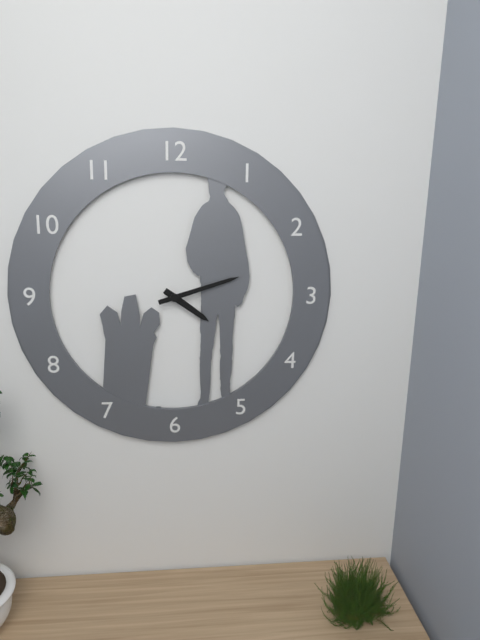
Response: 4:12
